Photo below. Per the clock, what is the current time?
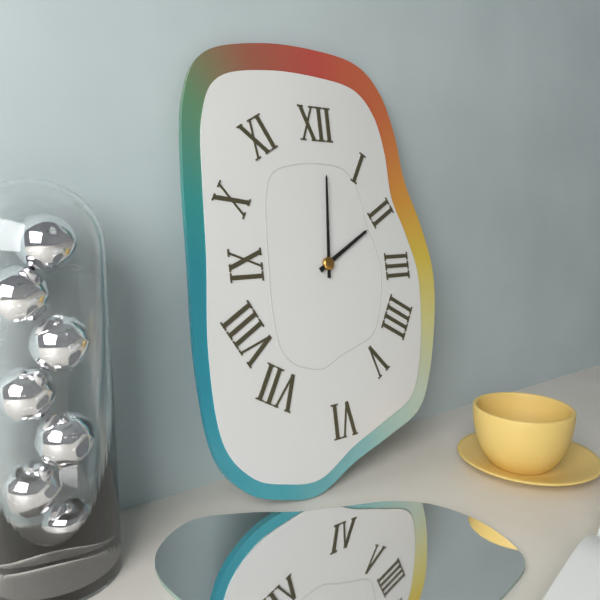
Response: 2:01
